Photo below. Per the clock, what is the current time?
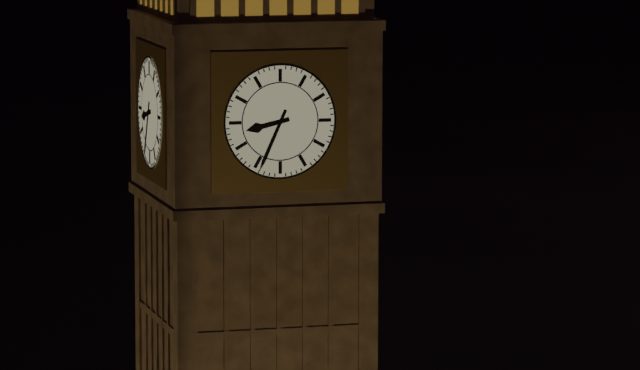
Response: 8:34
